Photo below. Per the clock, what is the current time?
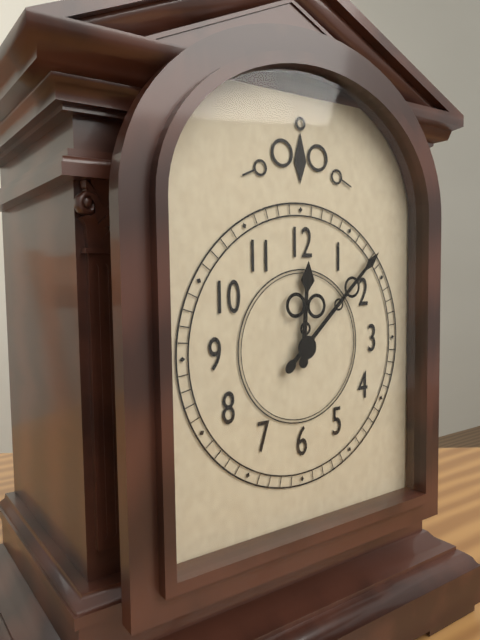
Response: 12:08
